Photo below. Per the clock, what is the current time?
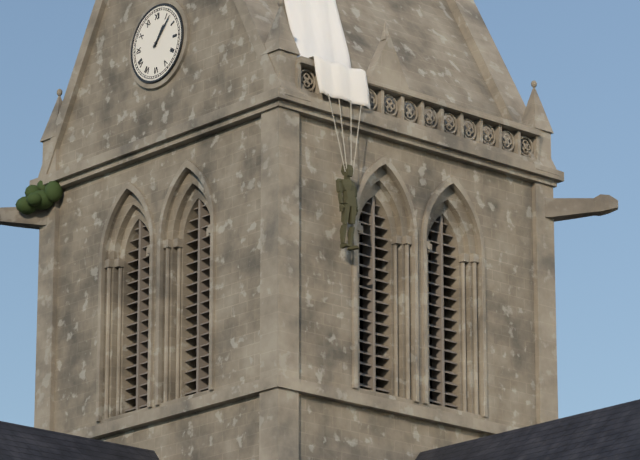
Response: 1:07
